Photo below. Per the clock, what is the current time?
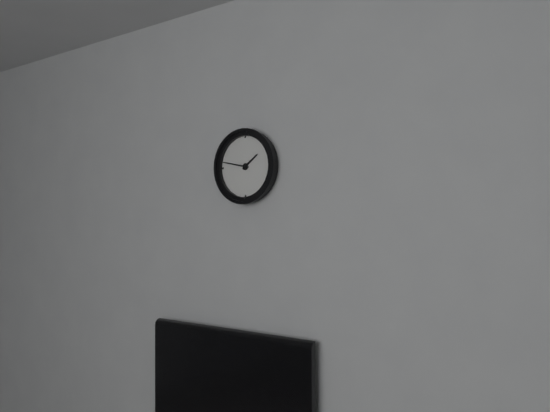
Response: 1:47
